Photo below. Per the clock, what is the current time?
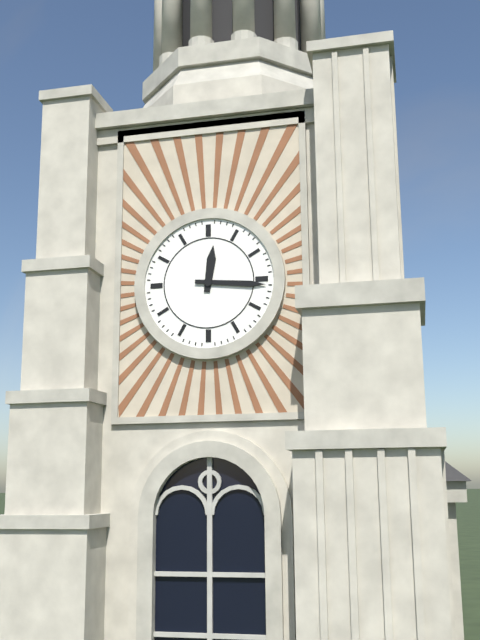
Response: 12:16
